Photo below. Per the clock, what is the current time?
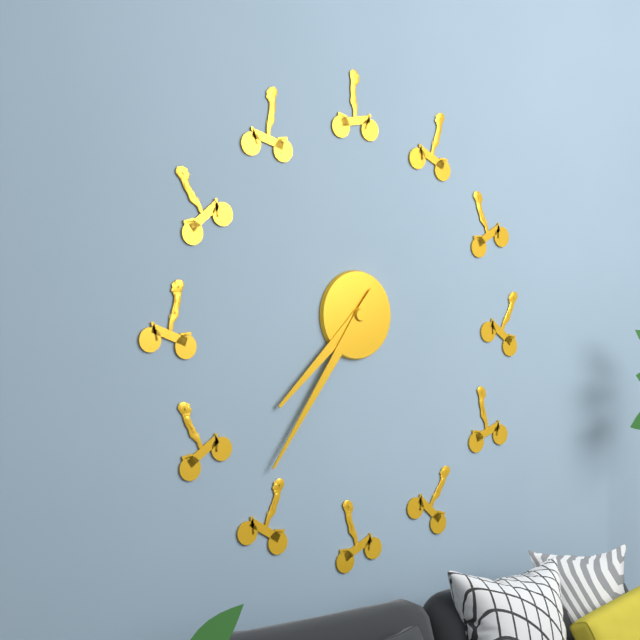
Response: 7:36
